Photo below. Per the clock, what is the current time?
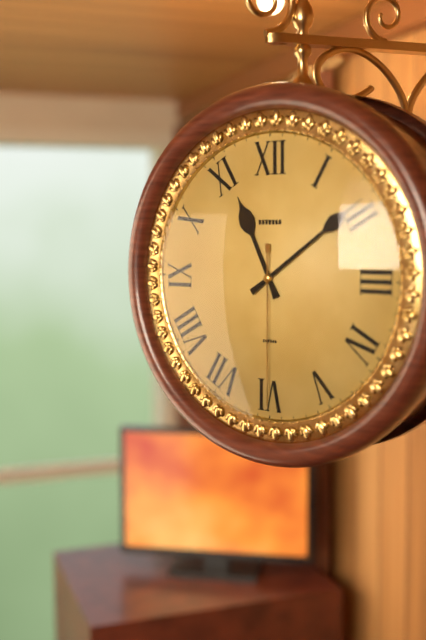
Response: 11:09:30
